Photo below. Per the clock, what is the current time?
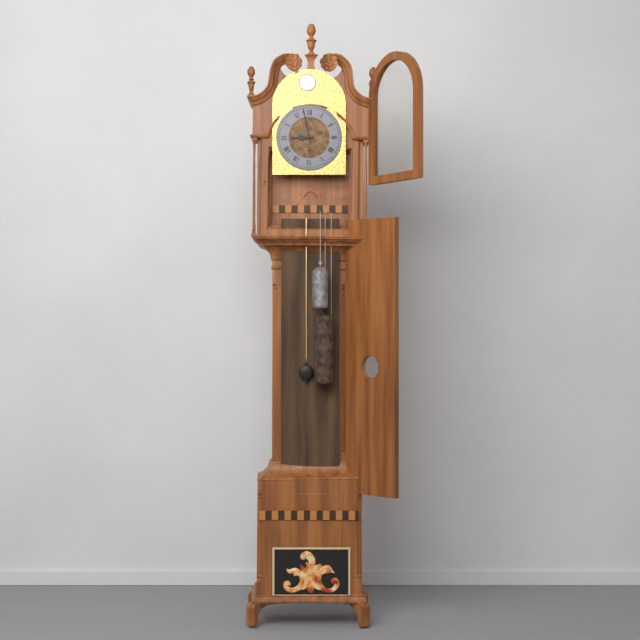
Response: 8:58
